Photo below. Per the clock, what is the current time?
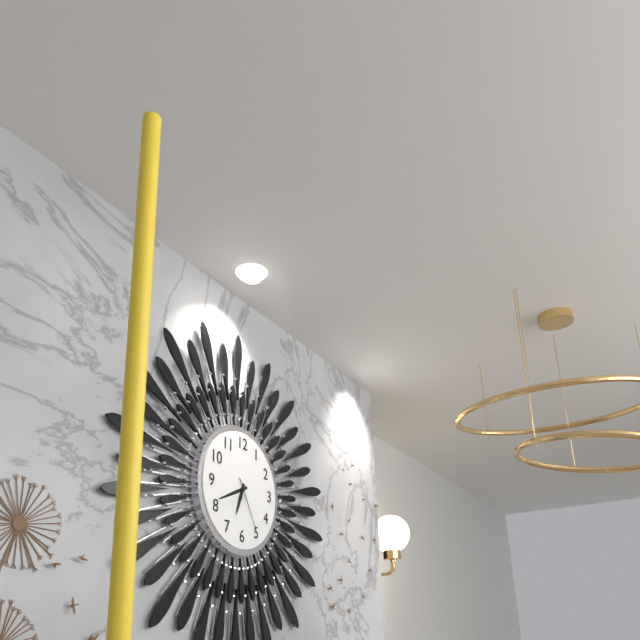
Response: 6:41:25
